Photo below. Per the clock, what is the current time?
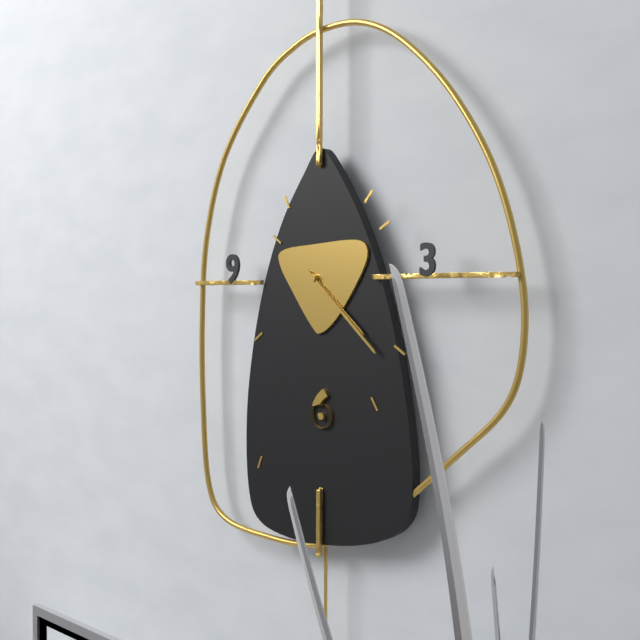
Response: 4:22
